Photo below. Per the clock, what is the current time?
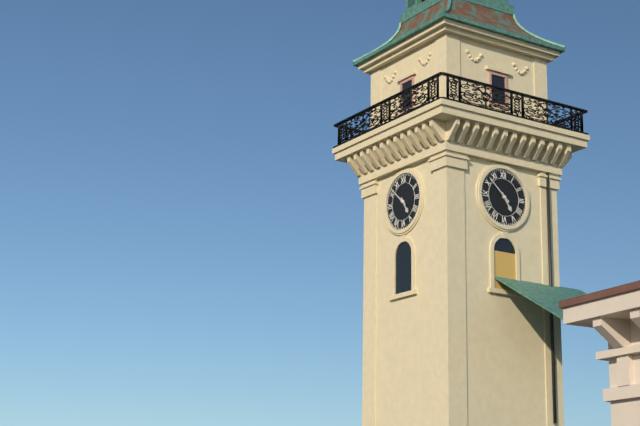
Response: 4:52
